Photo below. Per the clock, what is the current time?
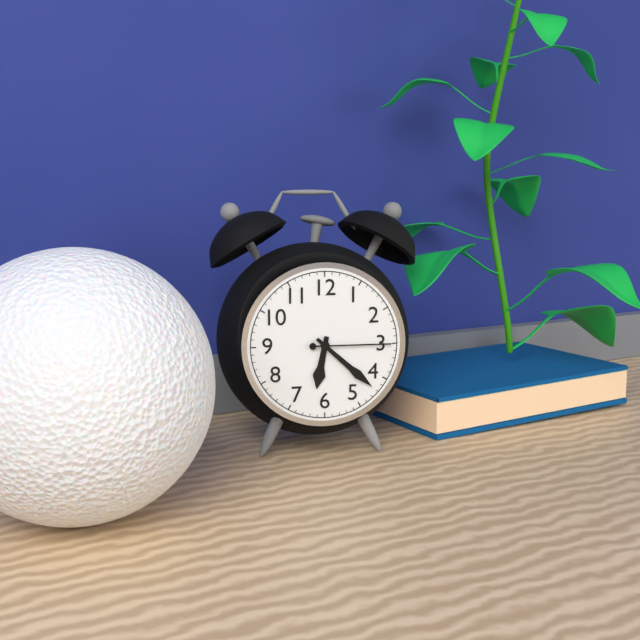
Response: 6:22:15
